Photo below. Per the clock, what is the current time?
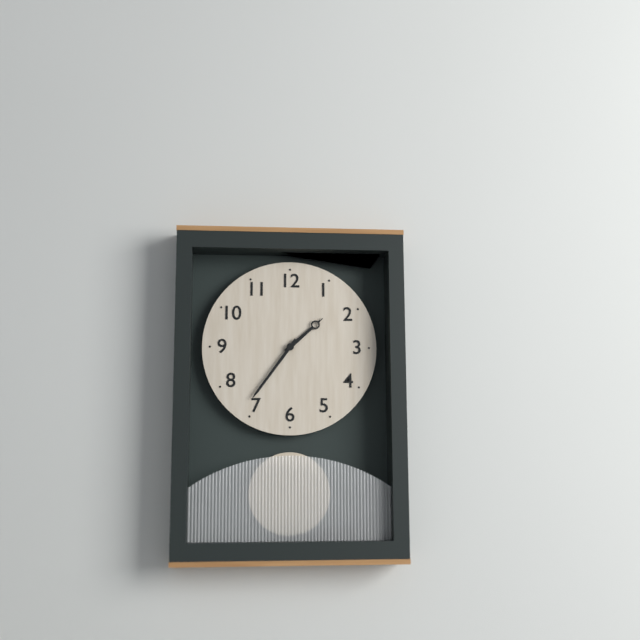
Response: 1:36
